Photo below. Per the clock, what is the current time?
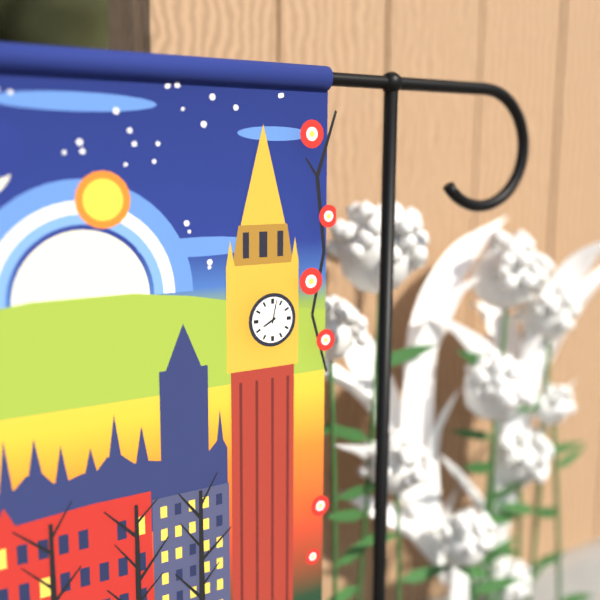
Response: 8:02
